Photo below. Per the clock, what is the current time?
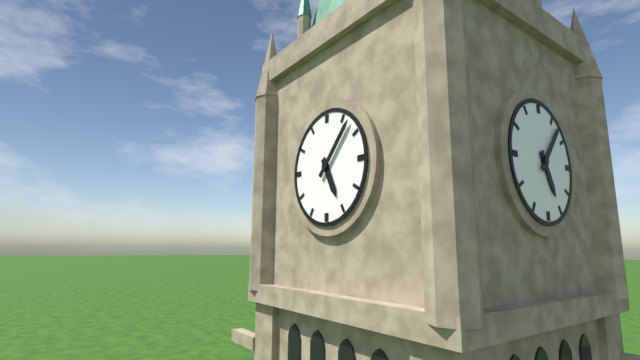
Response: 5:07
